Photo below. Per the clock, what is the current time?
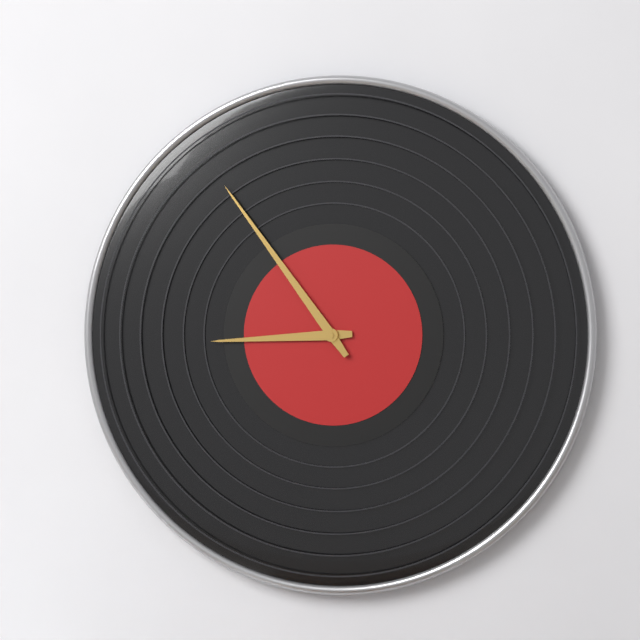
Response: 8:54
